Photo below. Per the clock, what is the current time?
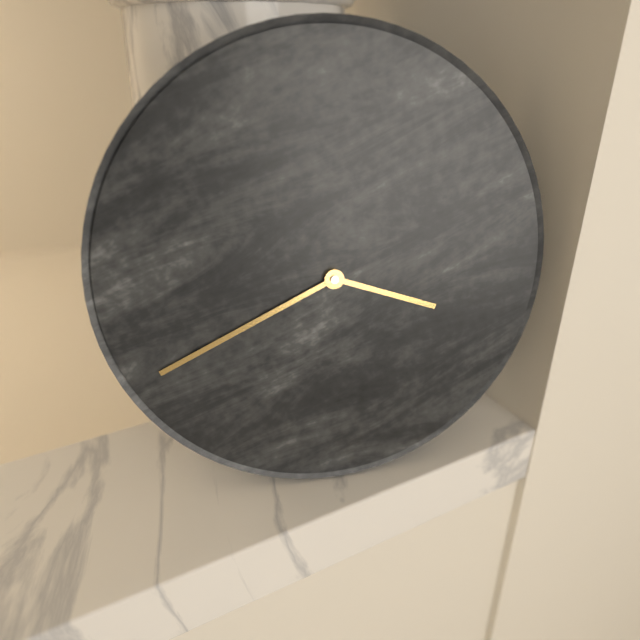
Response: 3:41
